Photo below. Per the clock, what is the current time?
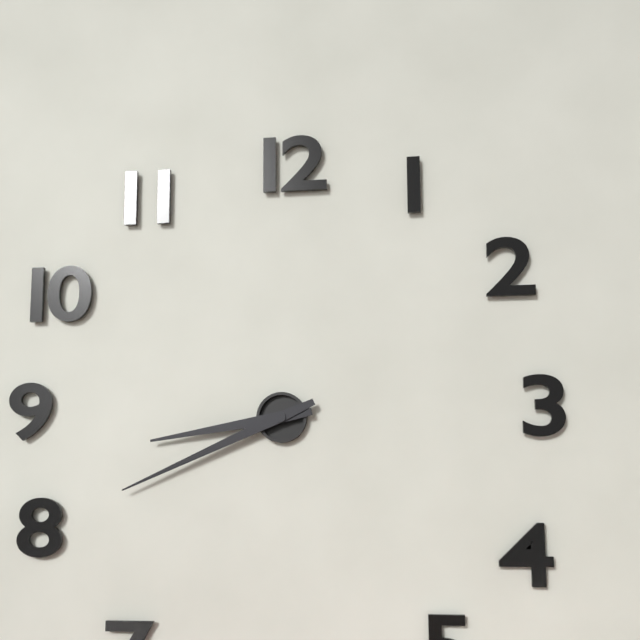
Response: 8:41
